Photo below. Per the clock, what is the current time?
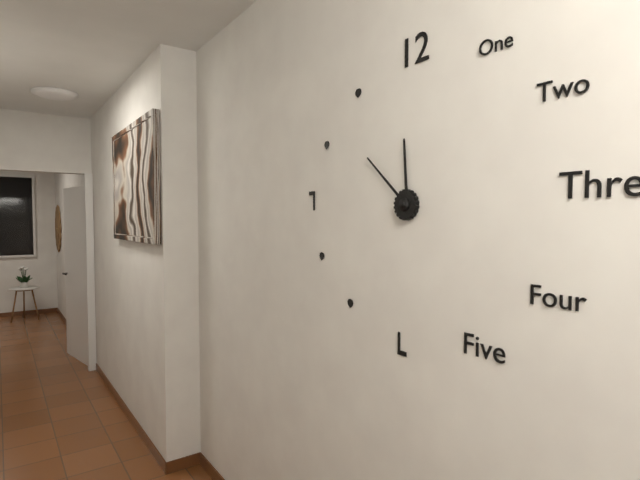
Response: 11:52
